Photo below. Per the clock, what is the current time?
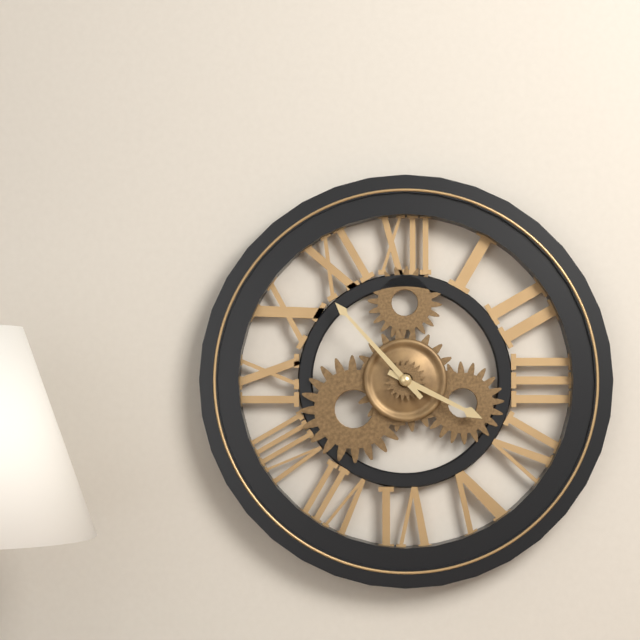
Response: 3:53
